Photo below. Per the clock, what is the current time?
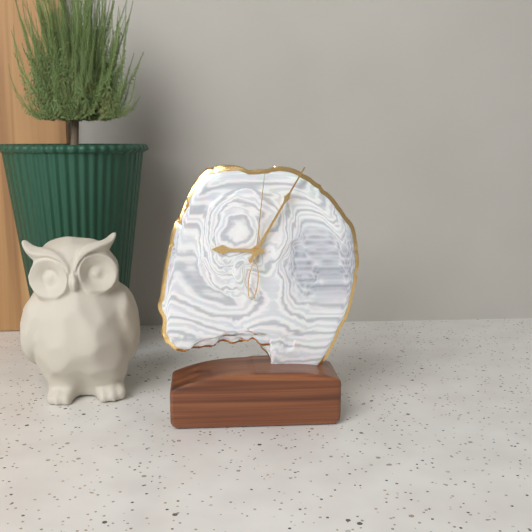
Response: 9:05:01
